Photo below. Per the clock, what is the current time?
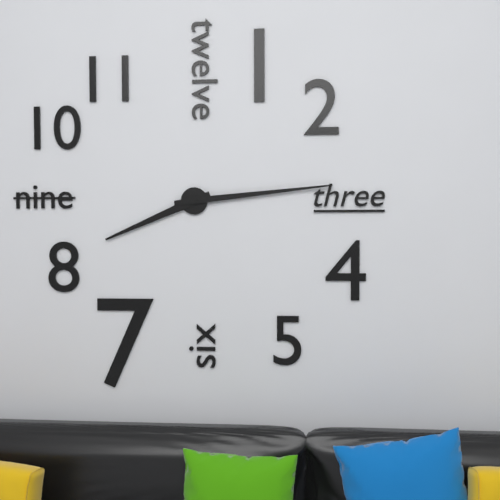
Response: 8:14
